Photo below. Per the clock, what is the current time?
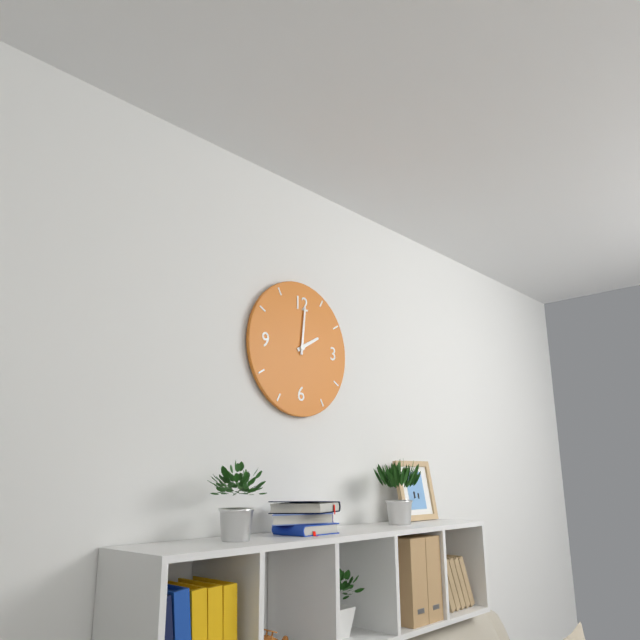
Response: 2:01
